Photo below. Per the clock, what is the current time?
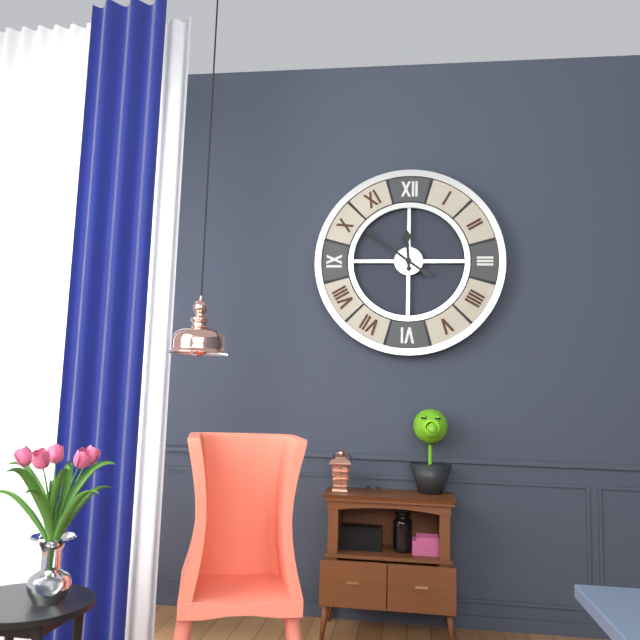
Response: 11:51
